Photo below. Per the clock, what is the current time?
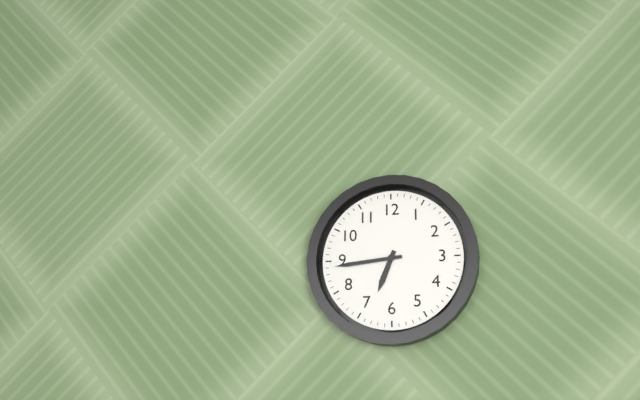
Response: 6:44
